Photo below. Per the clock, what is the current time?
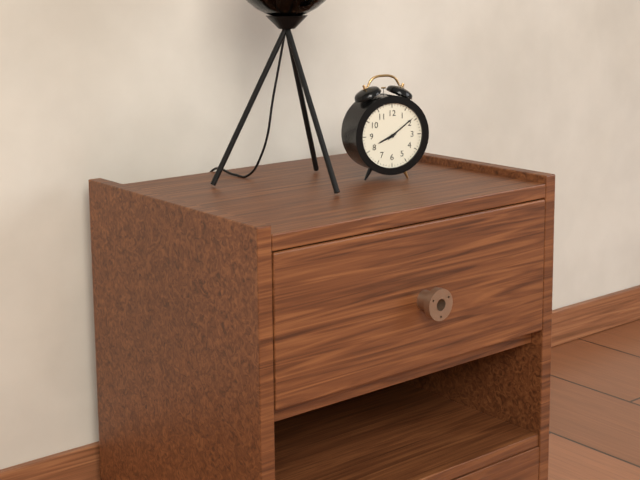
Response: 8:09
